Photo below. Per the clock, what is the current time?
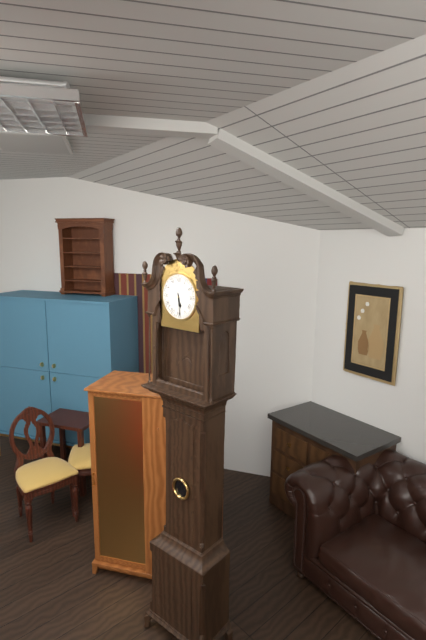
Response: 5:29
